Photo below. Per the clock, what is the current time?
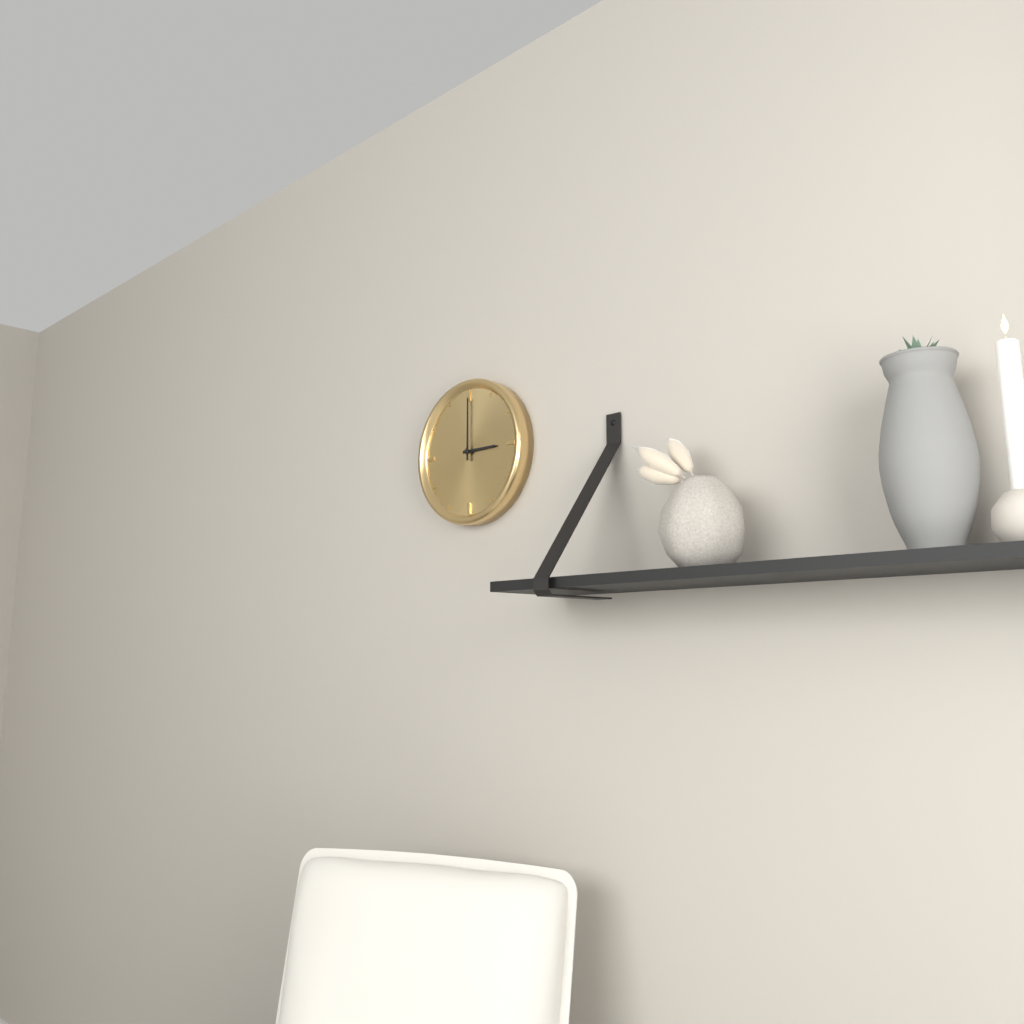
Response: 3:00
